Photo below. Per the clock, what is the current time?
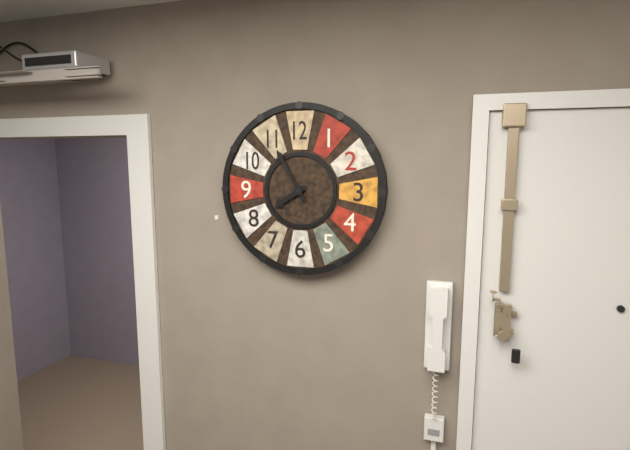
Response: 7:55
